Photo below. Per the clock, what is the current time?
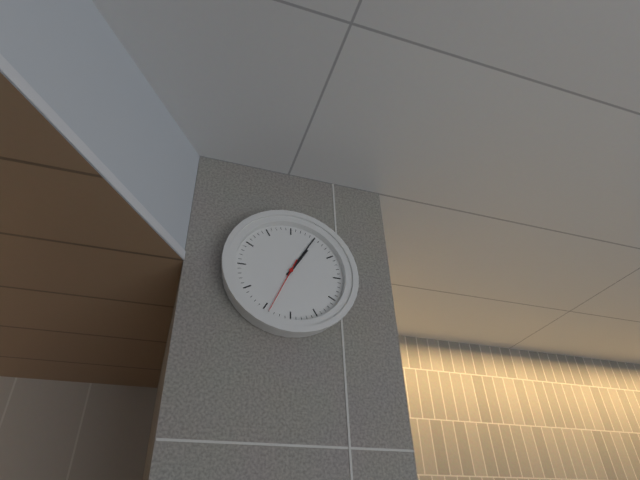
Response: 1:05:34
